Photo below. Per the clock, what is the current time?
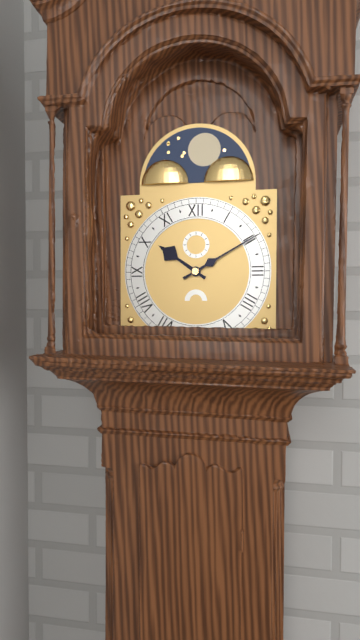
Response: 10:10
